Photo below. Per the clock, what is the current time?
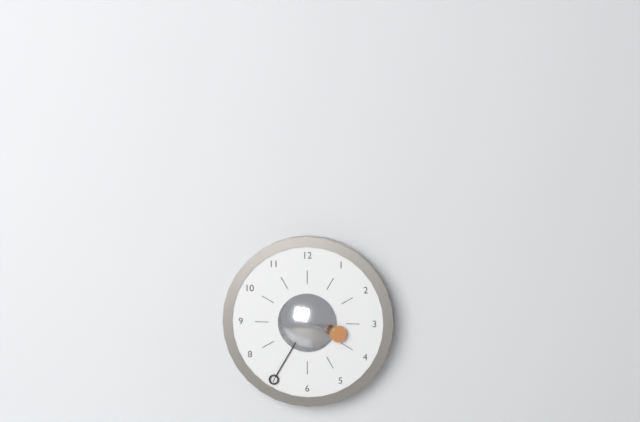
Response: 3:35
